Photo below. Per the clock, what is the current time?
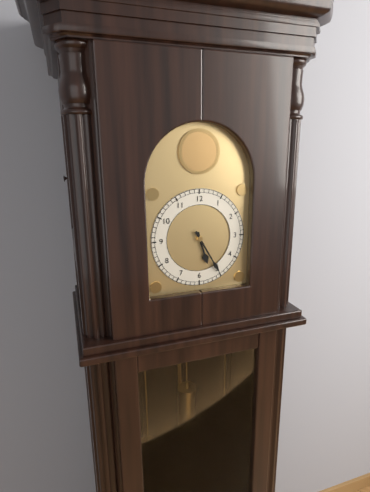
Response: 5:25
